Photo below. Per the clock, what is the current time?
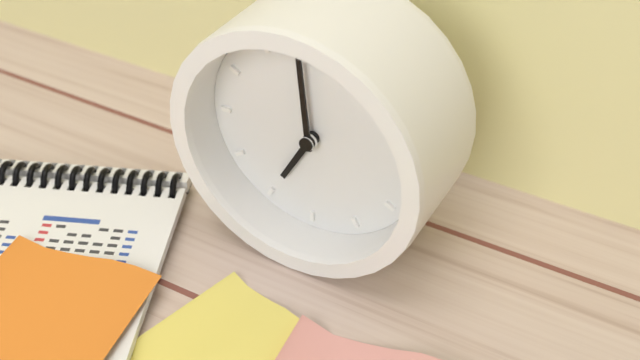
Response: 6:59
